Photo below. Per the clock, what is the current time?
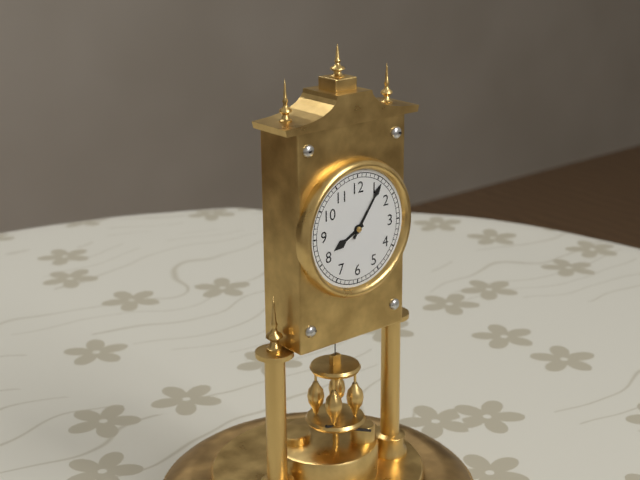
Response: 8:06
